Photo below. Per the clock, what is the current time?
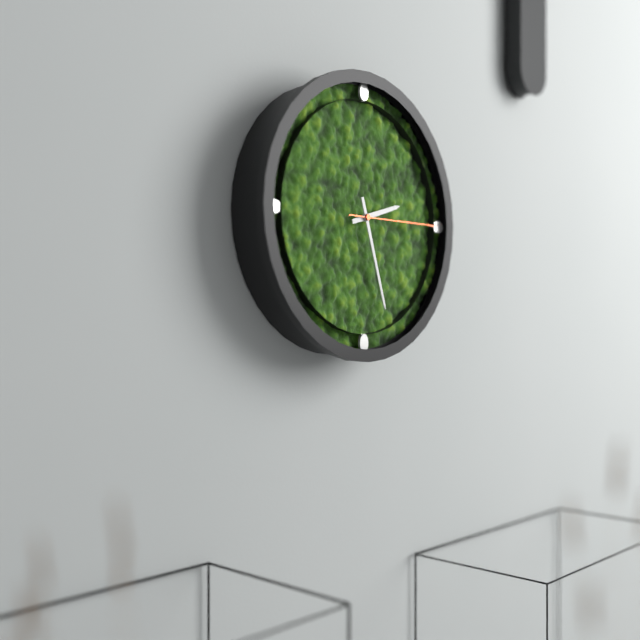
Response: 2:27:15
